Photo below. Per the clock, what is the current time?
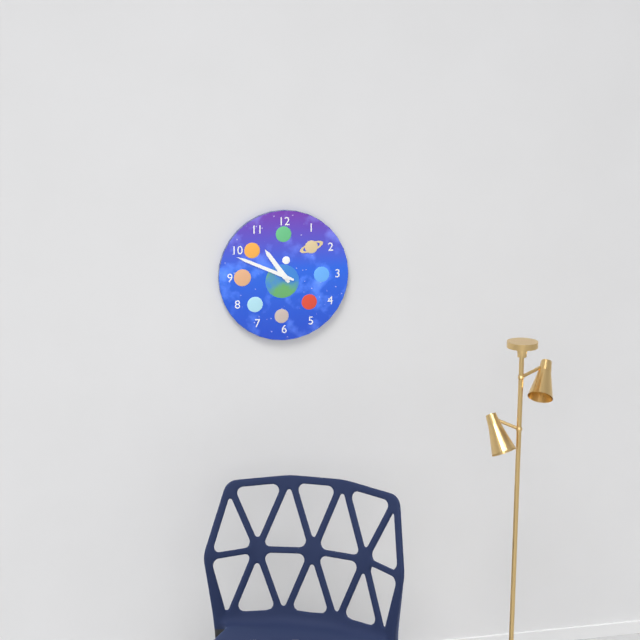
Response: 10:49
